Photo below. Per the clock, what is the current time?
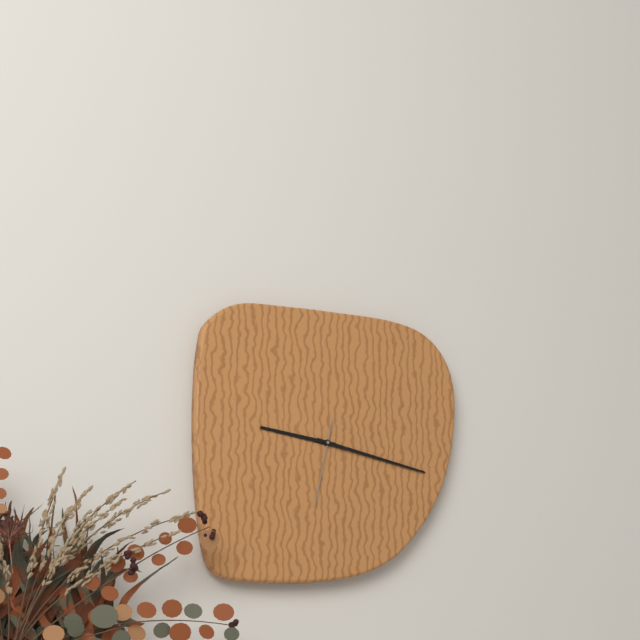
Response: 9:17:32
